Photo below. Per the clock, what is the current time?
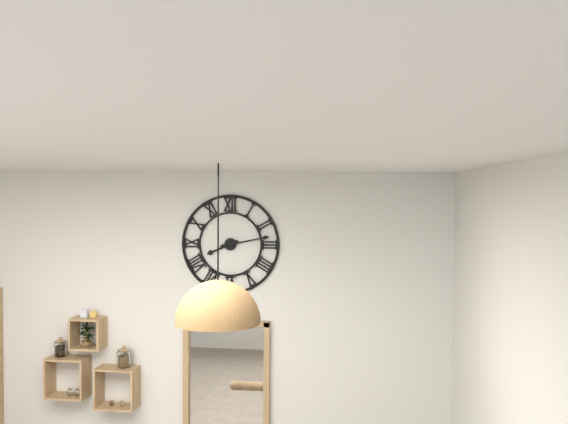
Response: 8:13
